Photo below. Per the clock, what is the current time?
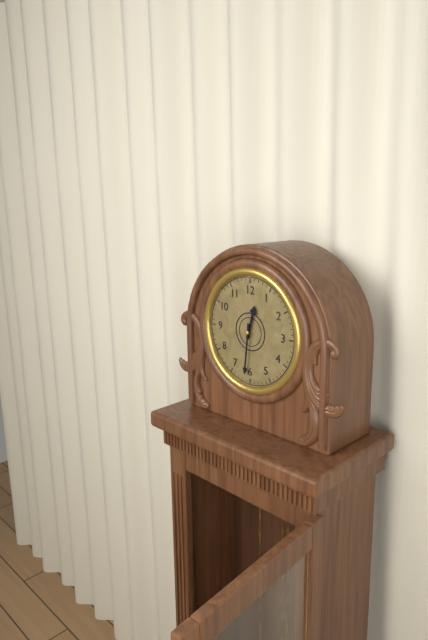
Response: 12:31
